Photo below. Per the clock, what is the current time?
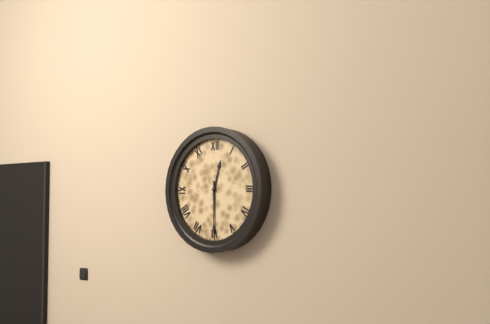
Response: 12:30
